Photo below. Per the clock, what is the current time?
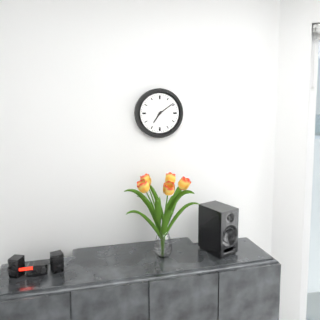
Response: 7:09
